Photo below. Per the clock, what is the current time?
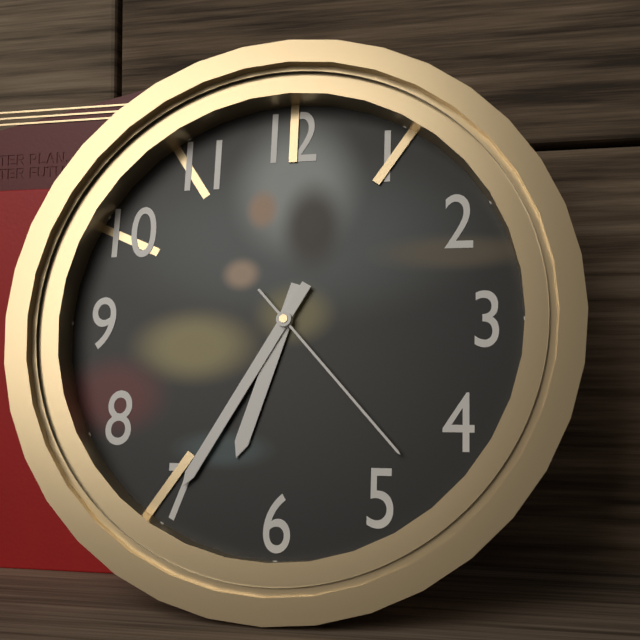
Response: 6:35:23
